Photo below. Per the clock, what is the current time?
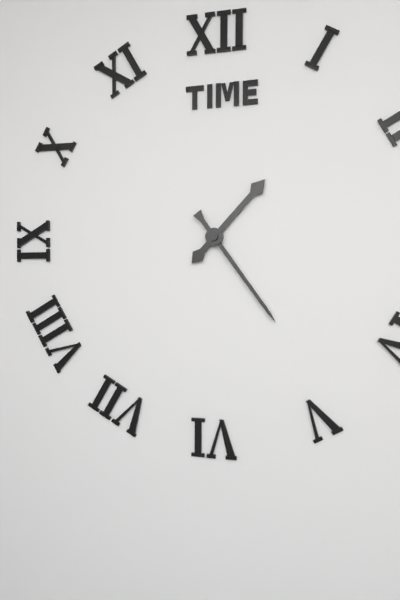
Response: 1:24
